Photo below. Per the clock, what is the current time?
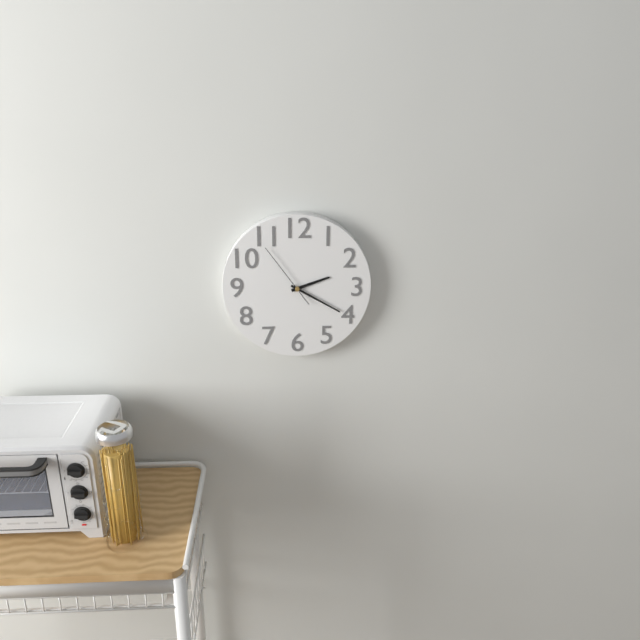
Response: 2:20:54
